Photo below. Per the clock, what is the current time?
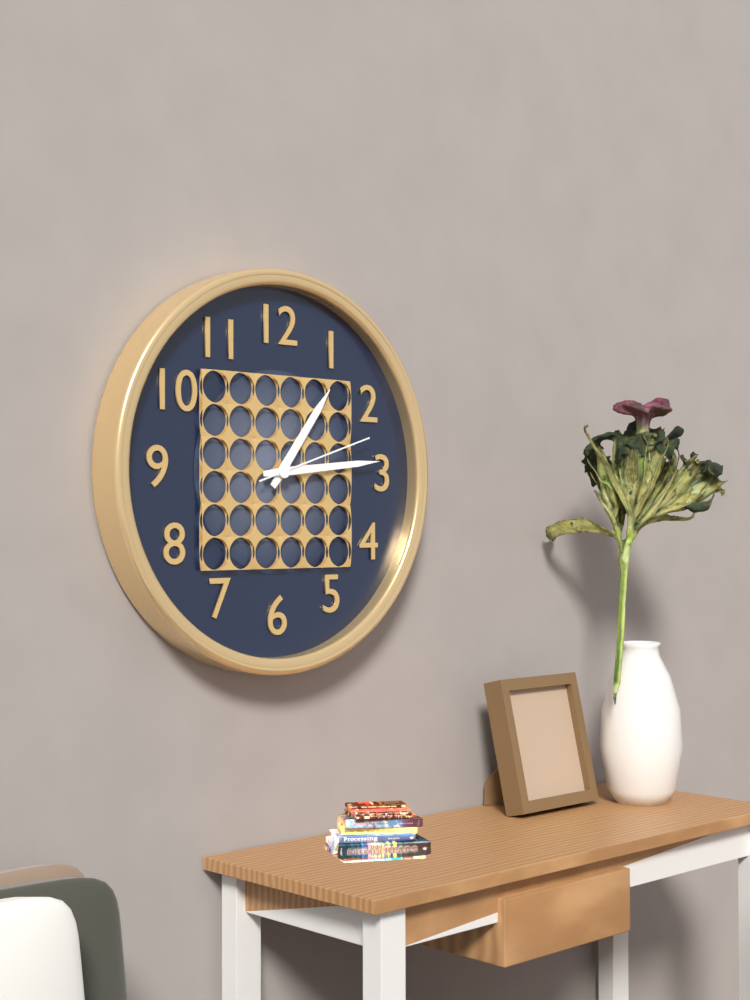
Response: 1:14:12
